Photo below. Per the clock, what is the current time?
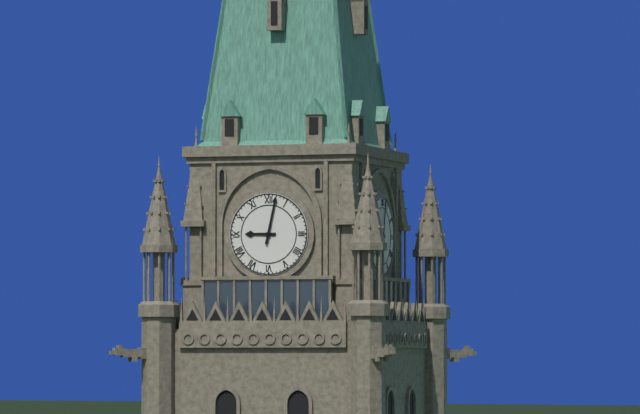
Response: 9:02
